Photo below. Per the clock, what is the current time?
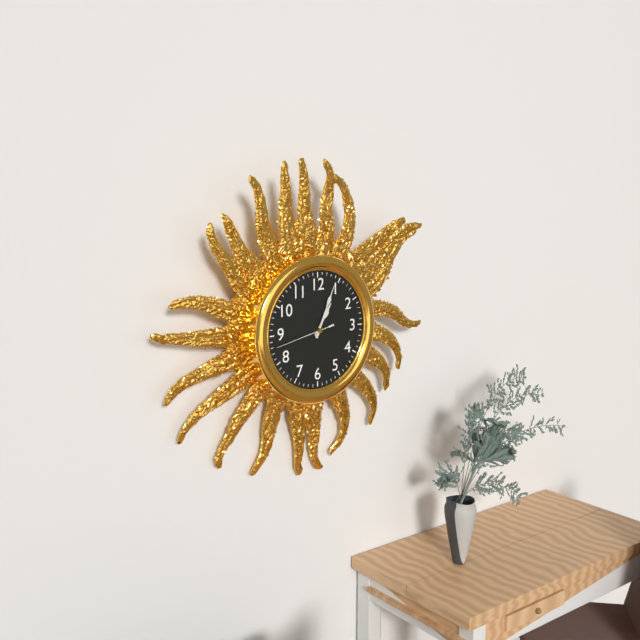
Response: 1:04:43
